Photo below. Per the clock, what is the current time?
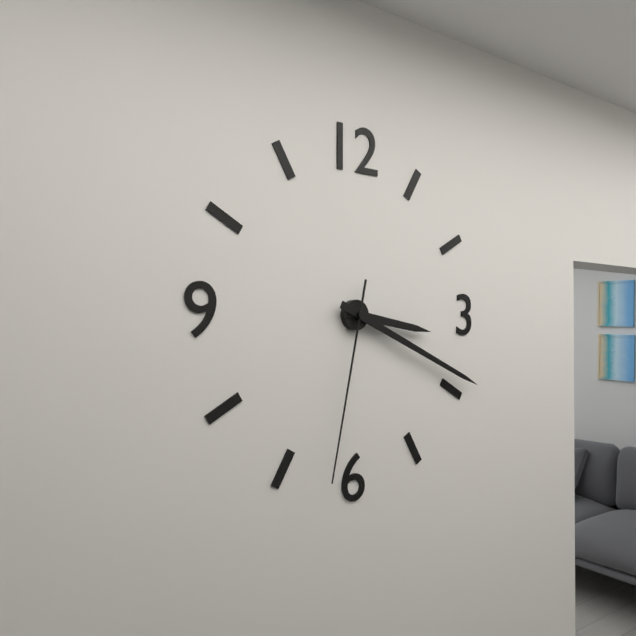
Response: 3:19:32
